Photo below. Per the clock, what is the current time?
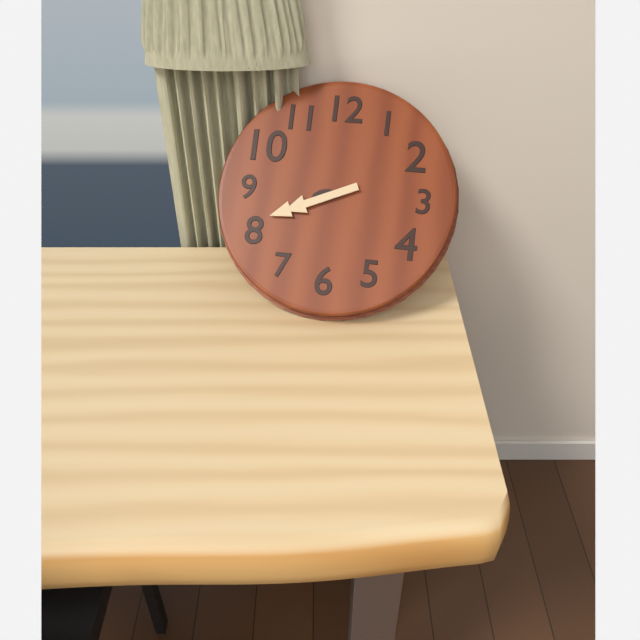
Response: 8:41
